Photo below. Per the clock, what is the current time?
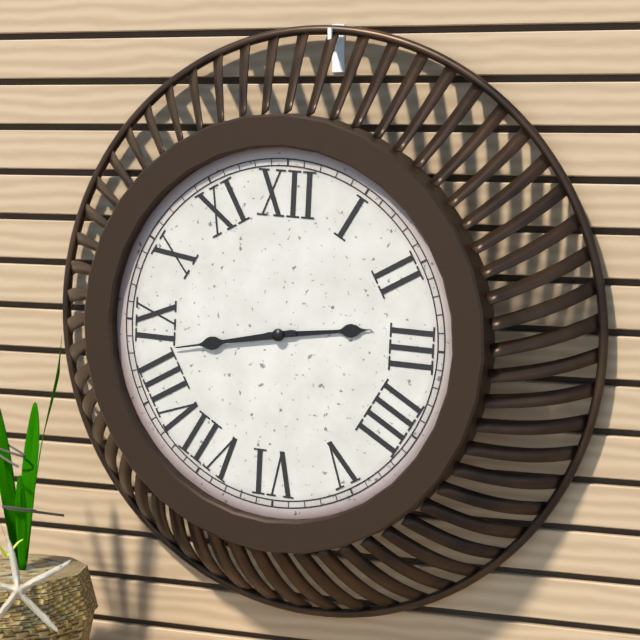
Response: 2:43
